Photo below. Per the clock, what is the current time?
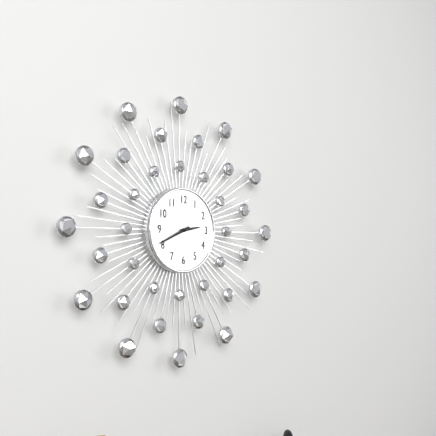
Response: 2:41
